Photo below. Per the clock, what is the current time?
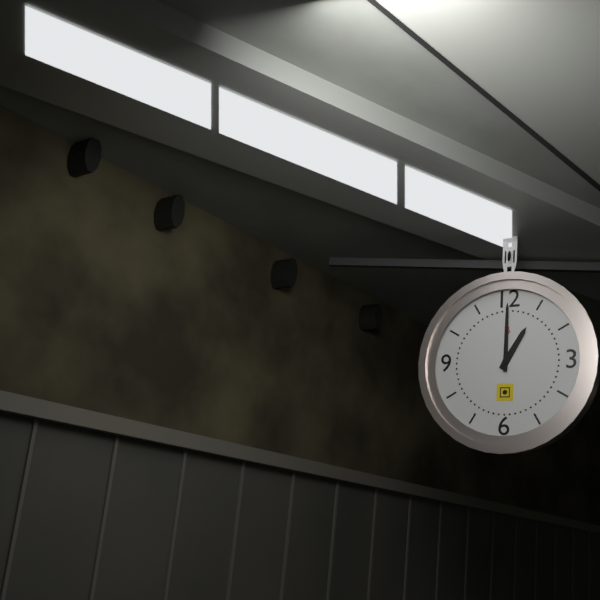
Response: 1:00
